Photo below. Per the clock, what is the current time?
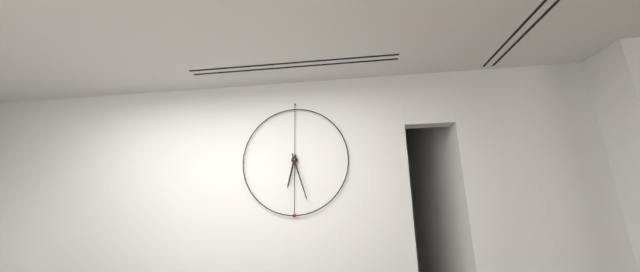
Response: 6:27
